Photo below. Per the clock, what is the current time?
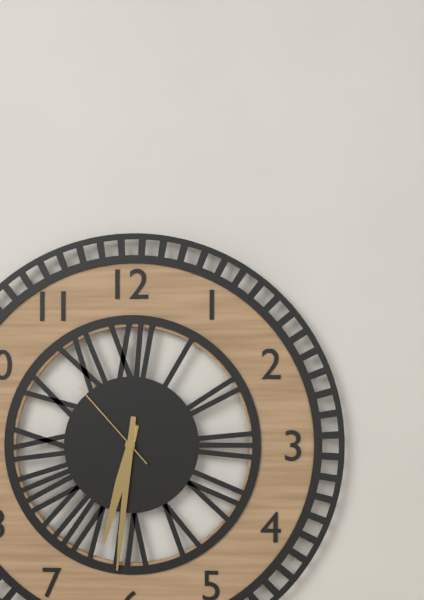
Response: 6:31:53
